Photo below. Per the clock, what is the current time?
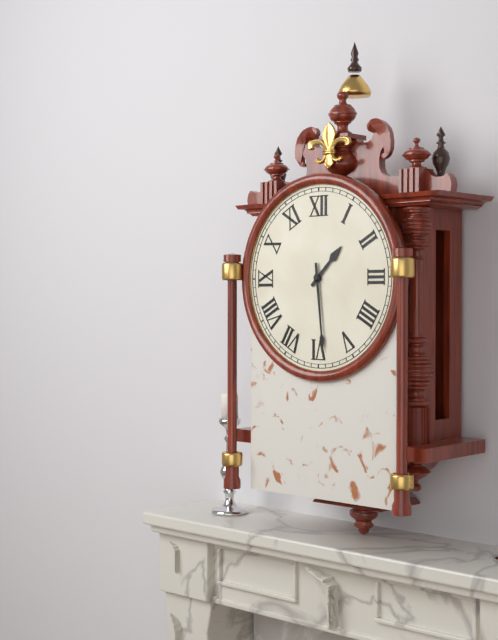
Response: 1:29
